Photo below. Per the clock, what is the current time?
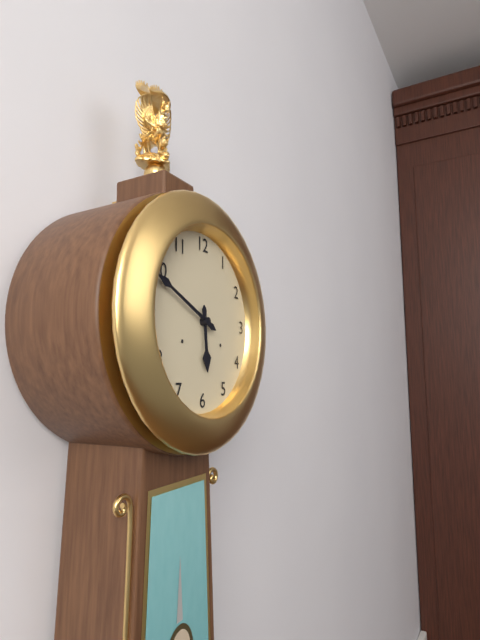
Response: 5:49
